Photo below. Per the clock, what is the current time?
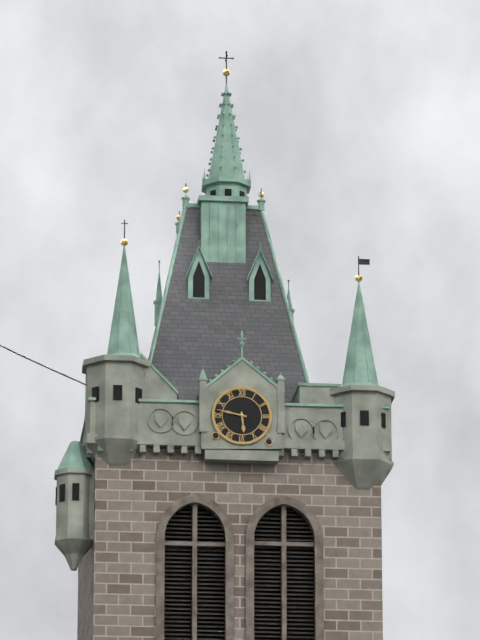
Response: 5:47
